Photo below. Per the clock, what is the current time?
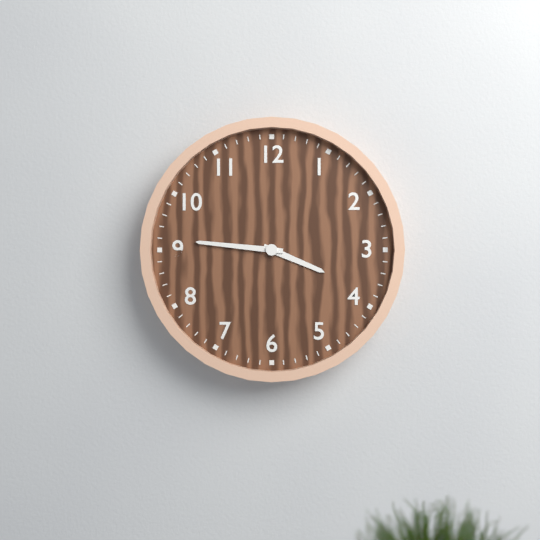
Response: 3:46
